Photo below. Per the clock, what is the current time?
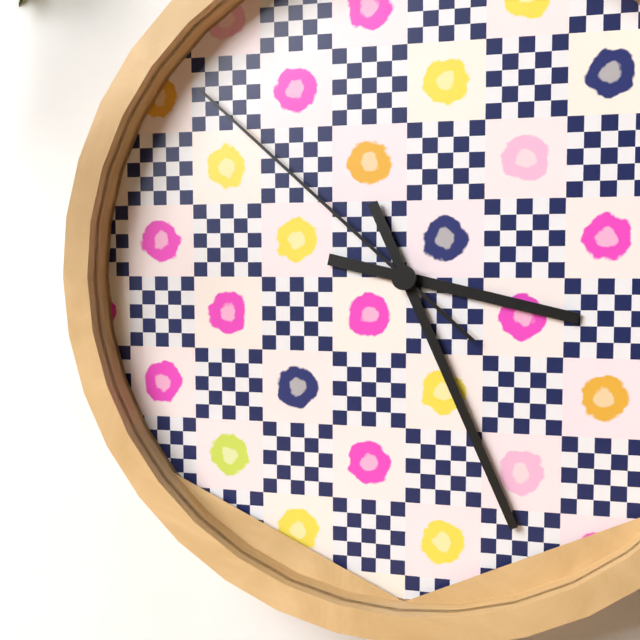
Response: 3:26:52
